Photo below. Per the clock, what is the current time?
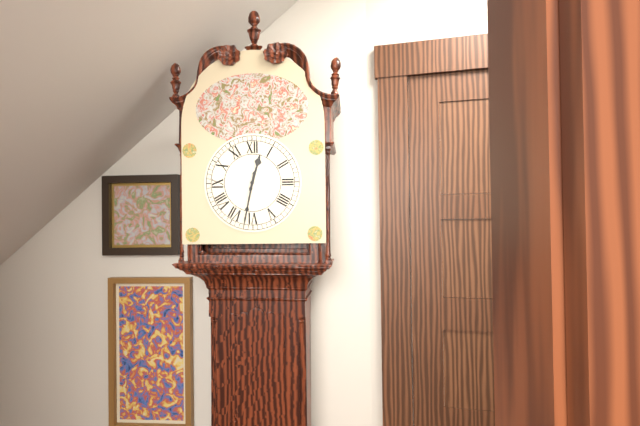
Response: 12:32
